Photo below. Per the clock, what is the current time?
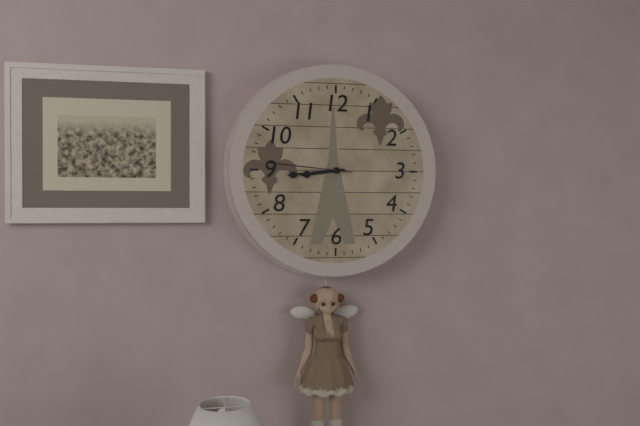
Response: 8:44:46
